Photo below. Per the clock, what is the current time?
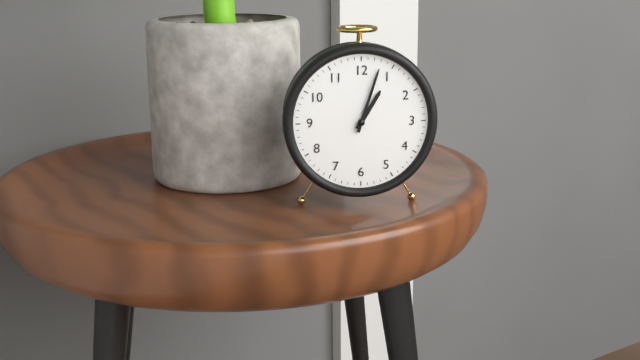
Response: 1:03
